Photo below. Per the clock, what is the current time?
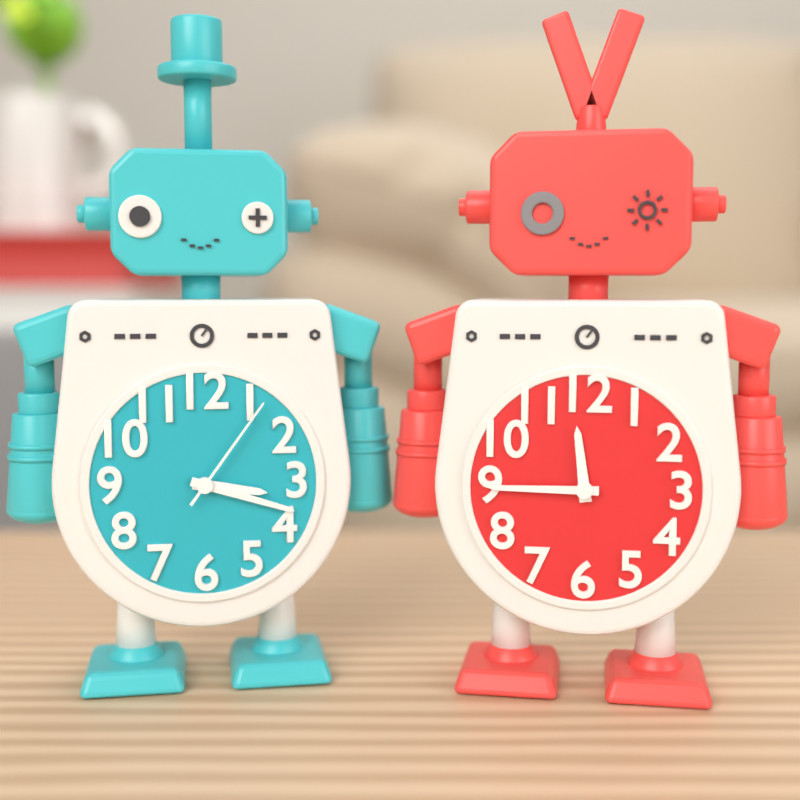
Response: 3:18:06
